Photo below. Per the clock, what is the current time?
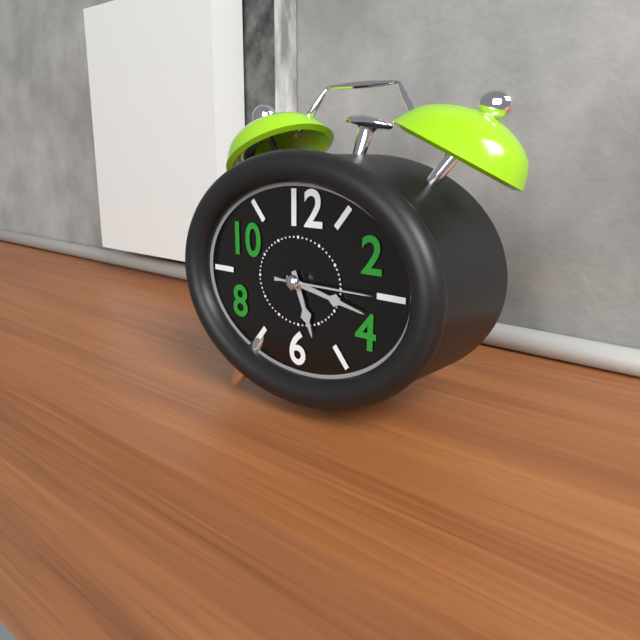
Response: 5:17:15
